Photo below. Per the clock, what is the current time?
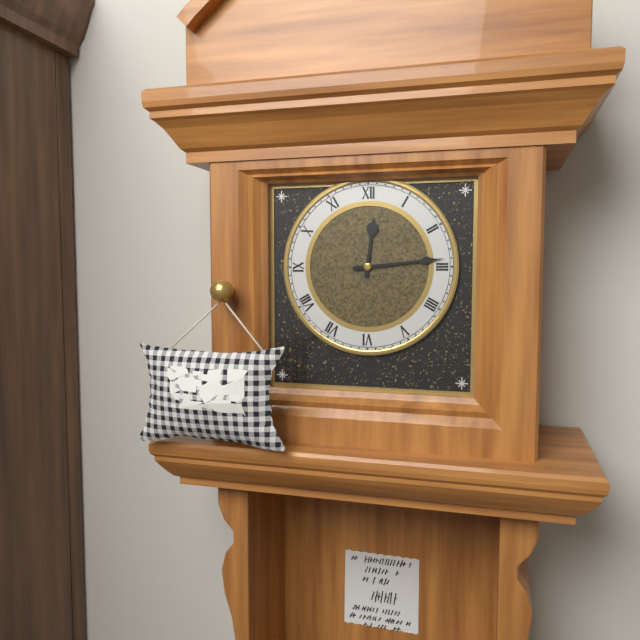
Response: 12:14
